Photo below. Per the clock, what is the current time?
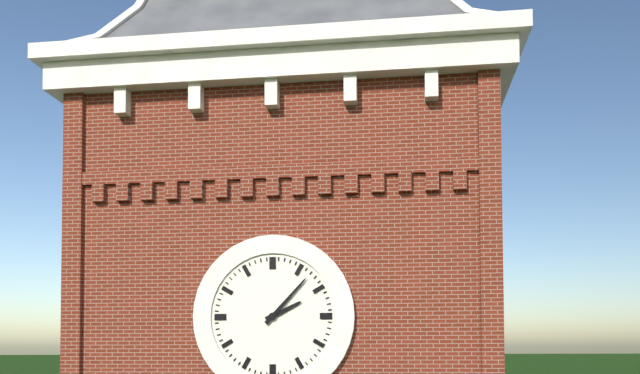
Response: 2:07
